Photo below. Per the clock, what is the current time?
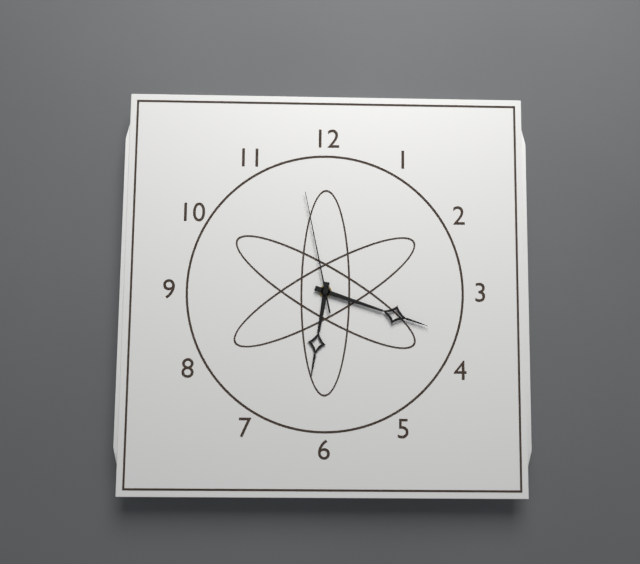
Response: 6:18:58
